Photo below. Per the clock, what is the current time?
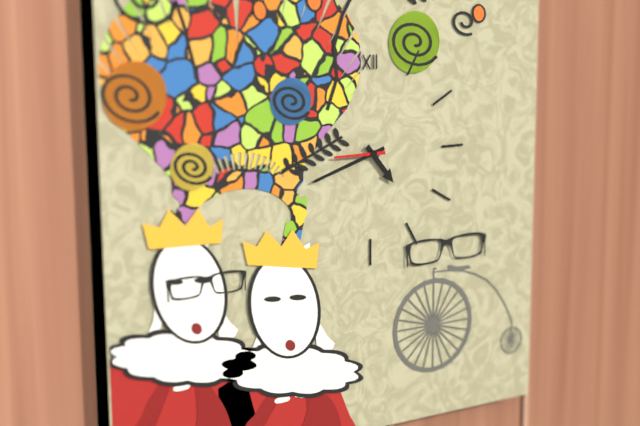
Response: 4:42
